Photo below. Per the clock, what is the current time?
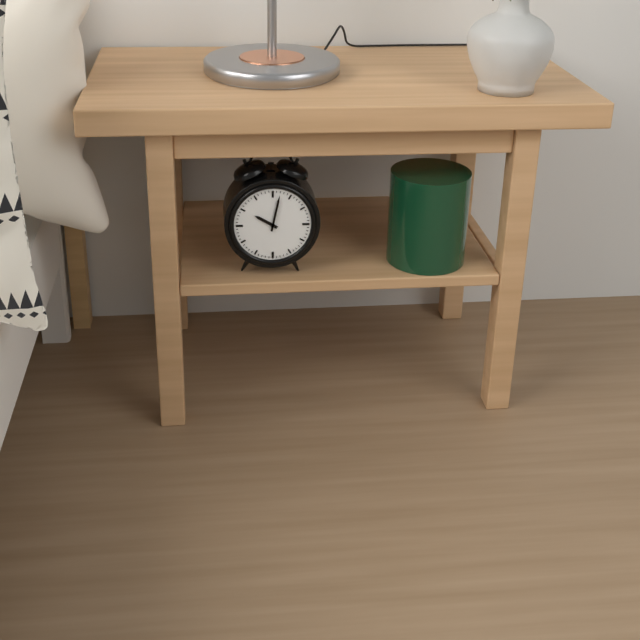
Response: 10:02
